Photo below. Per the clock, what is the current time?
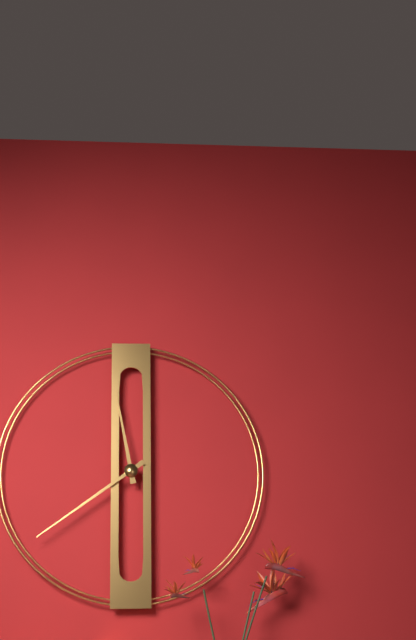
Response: 11:39
